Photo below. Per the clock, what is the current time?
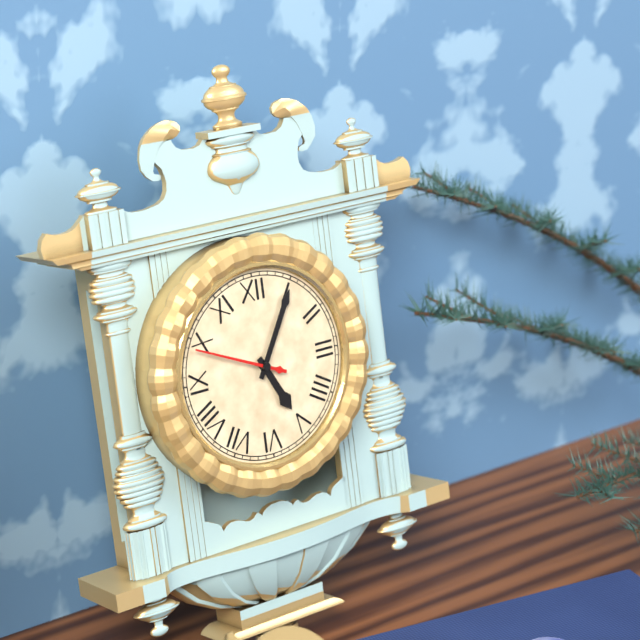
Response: 5:05:49
